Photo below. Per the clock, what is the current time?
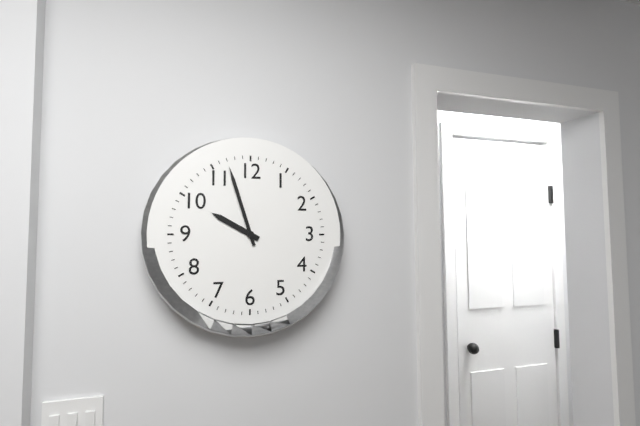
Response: 9:57
